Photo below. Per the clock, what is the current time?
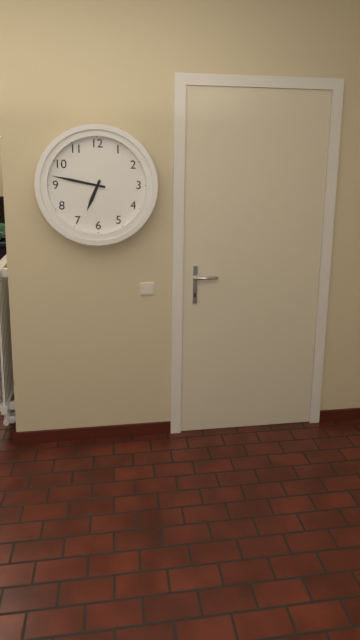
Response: 6:47
